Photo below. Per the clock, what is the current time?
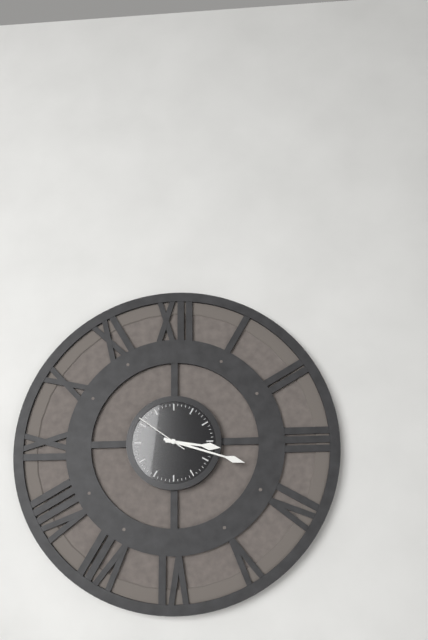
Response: 3:18:51
